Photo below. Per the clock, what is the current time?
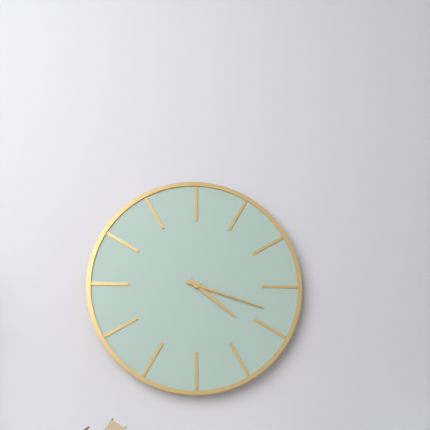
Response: 4:18
